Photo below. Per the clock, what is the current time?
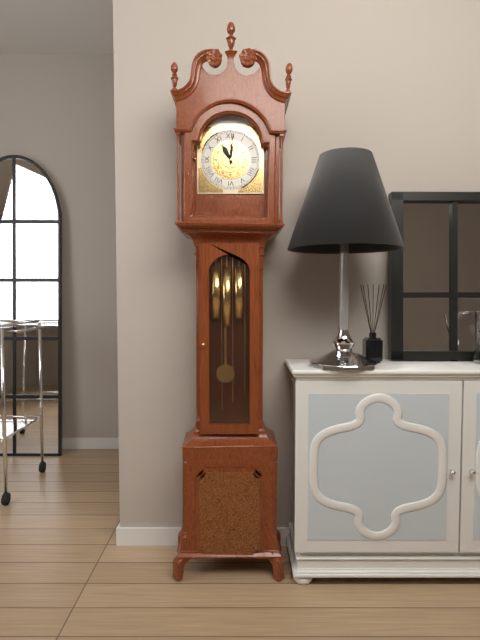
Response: 11:01
